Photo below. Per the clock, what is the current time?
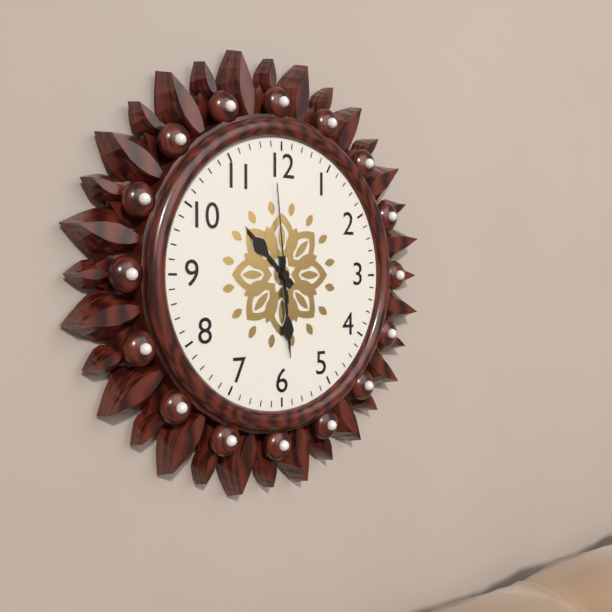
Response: 10:29:59
